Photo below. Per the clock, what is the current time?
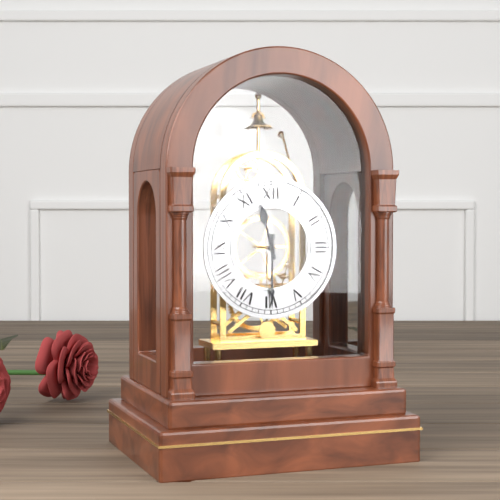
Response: 11:30
